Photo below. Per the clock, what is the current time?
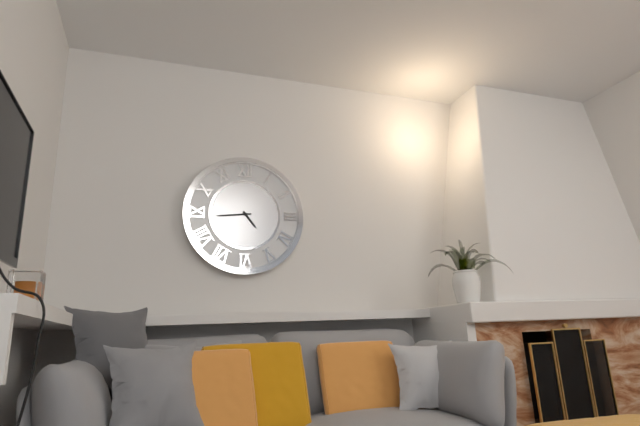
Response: 4:44
